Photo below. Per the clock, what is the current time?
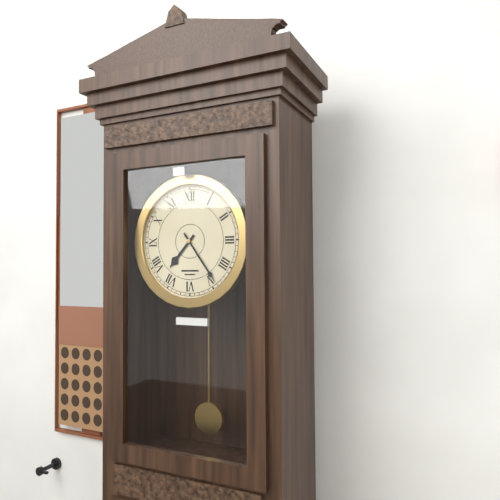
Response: 7:24
